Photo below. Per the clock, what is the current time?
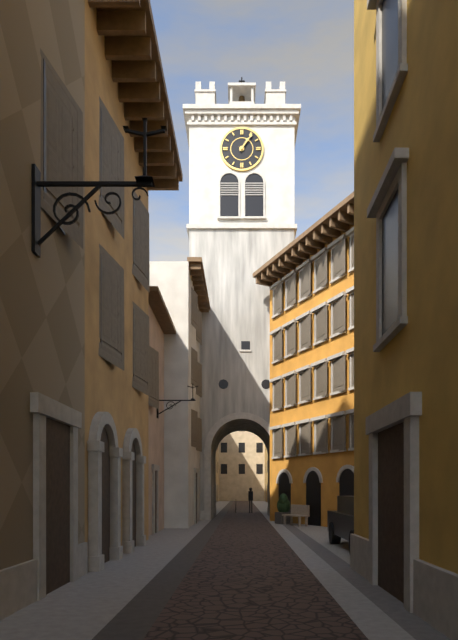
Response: 1:06
